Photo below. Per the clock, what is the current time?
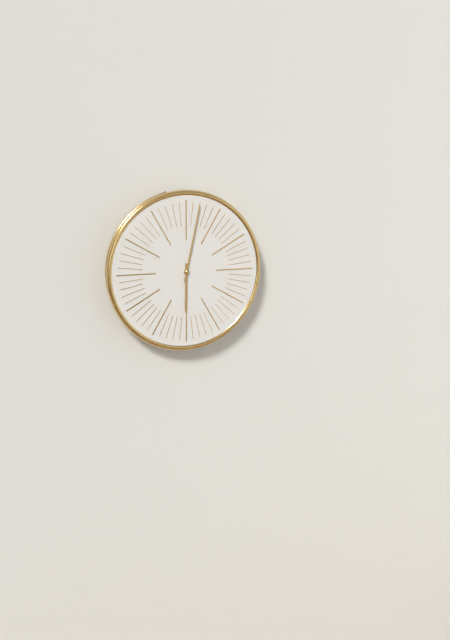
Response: 6:02
